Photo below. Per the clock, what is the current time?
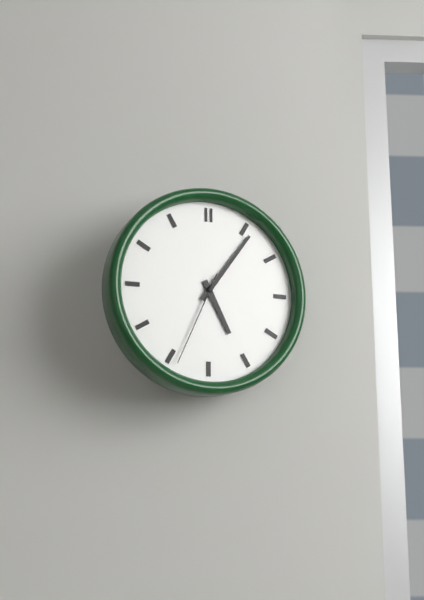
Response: 5:06:34
